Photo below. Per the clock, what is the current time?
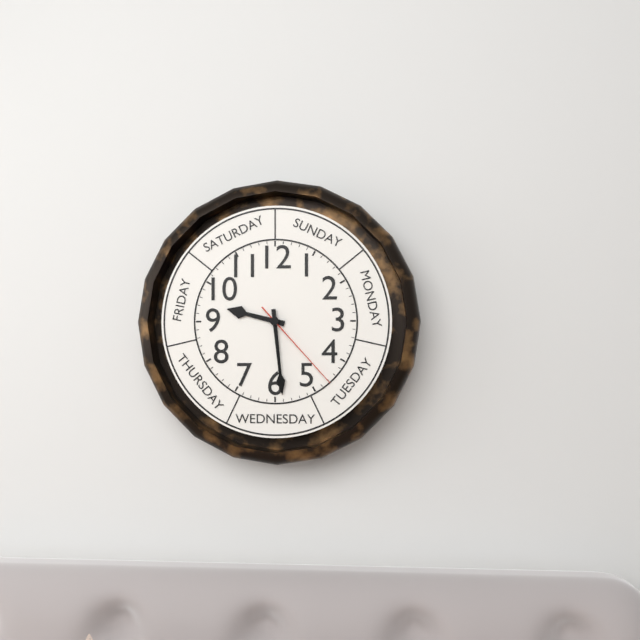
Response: 9:29:23
